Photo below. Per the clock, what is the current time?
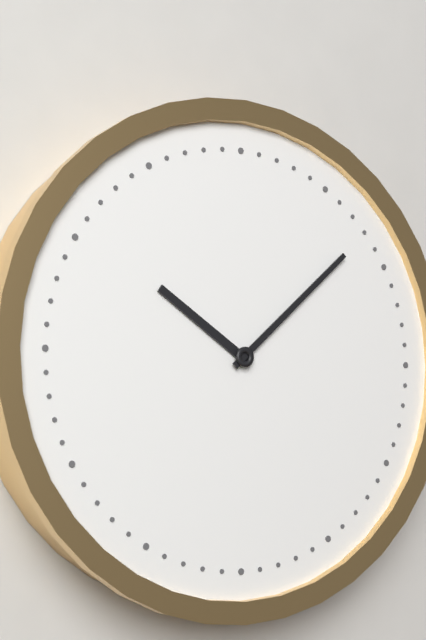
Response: 10:08
